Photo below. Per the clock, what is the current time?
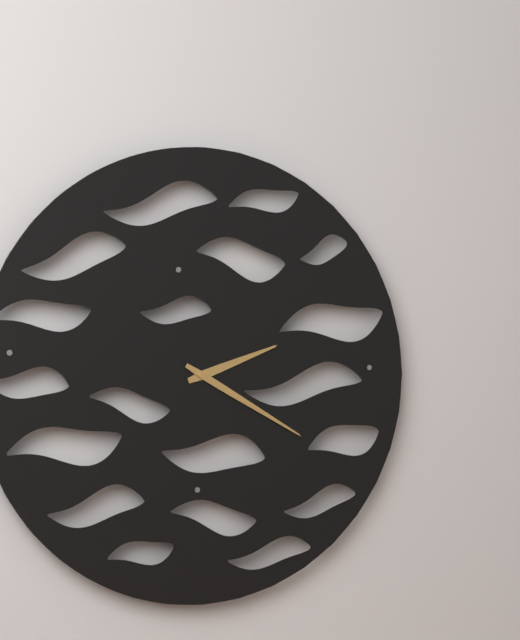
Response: 2:20
